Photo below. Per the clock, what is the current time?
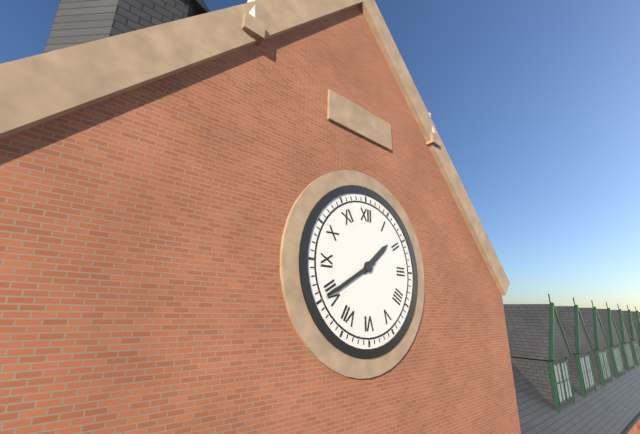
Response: 1:40
